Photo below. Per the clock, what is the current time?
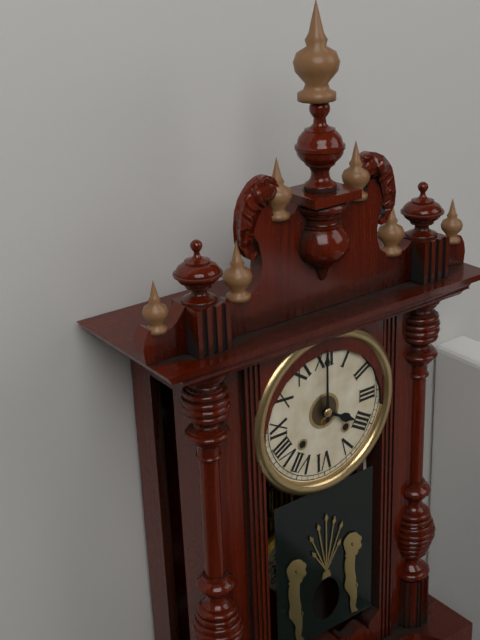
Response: 4:00
